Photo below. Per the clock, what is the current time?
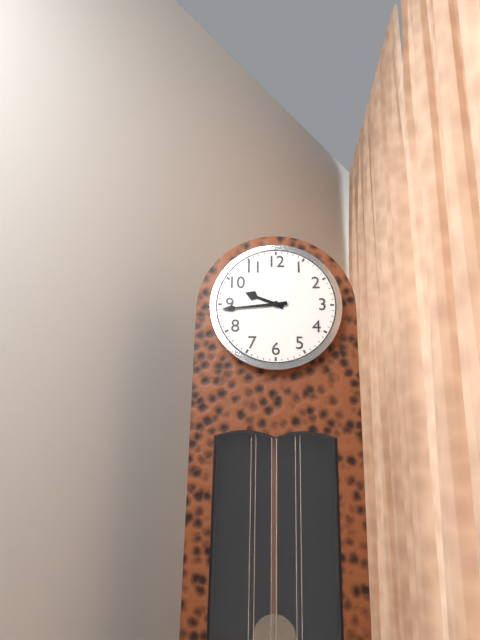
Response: 9:44
